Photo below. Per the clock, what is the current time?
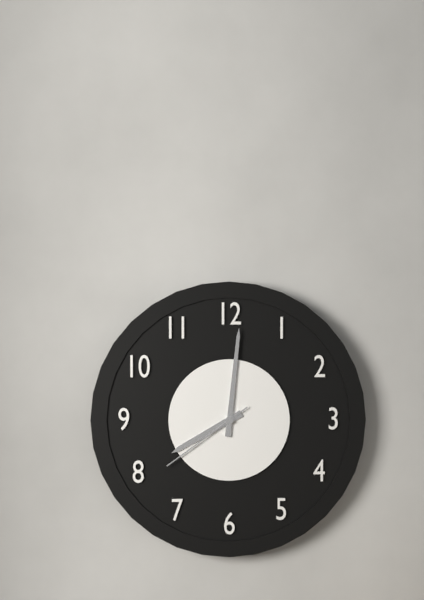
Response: 8:01:39
